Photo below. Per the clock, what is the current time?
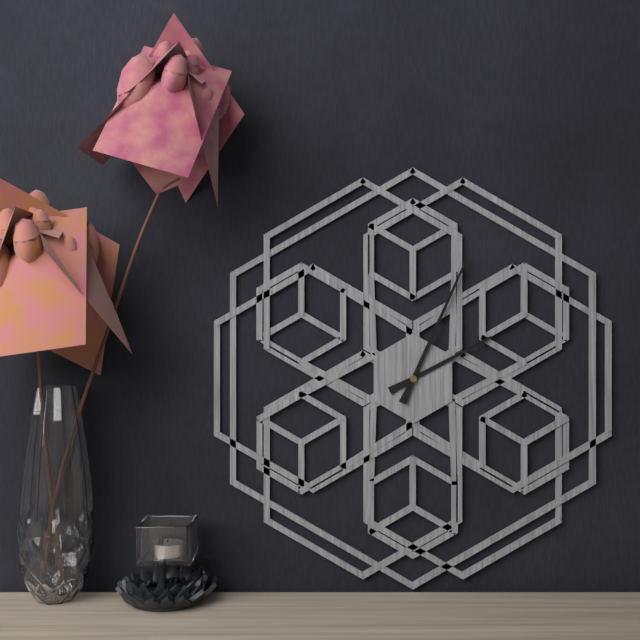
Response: 2:04
